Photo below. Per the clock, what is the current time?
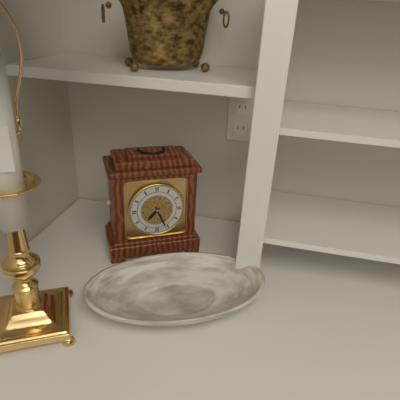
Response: 7:26
